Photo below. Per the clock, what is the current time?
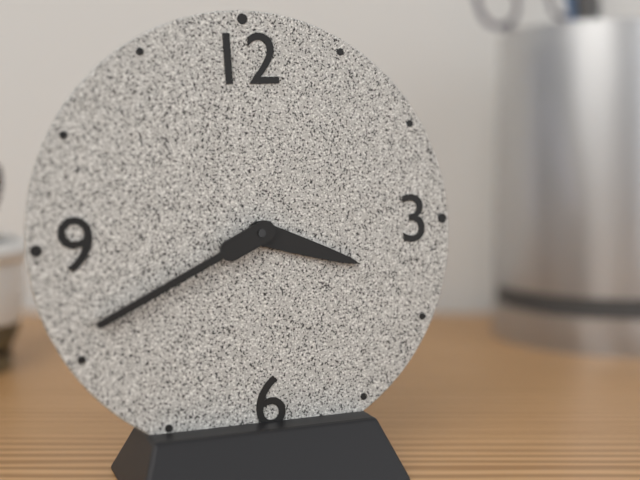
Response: 3:41
